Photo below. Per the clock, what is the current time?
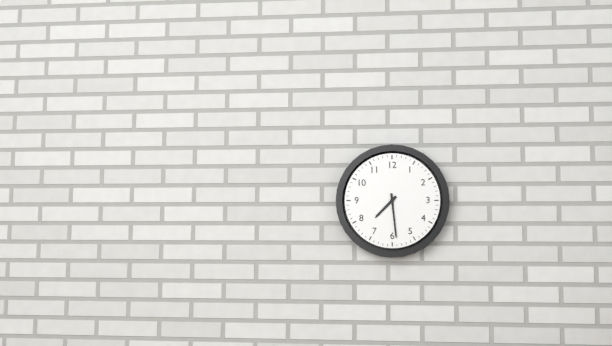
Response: 7:29
